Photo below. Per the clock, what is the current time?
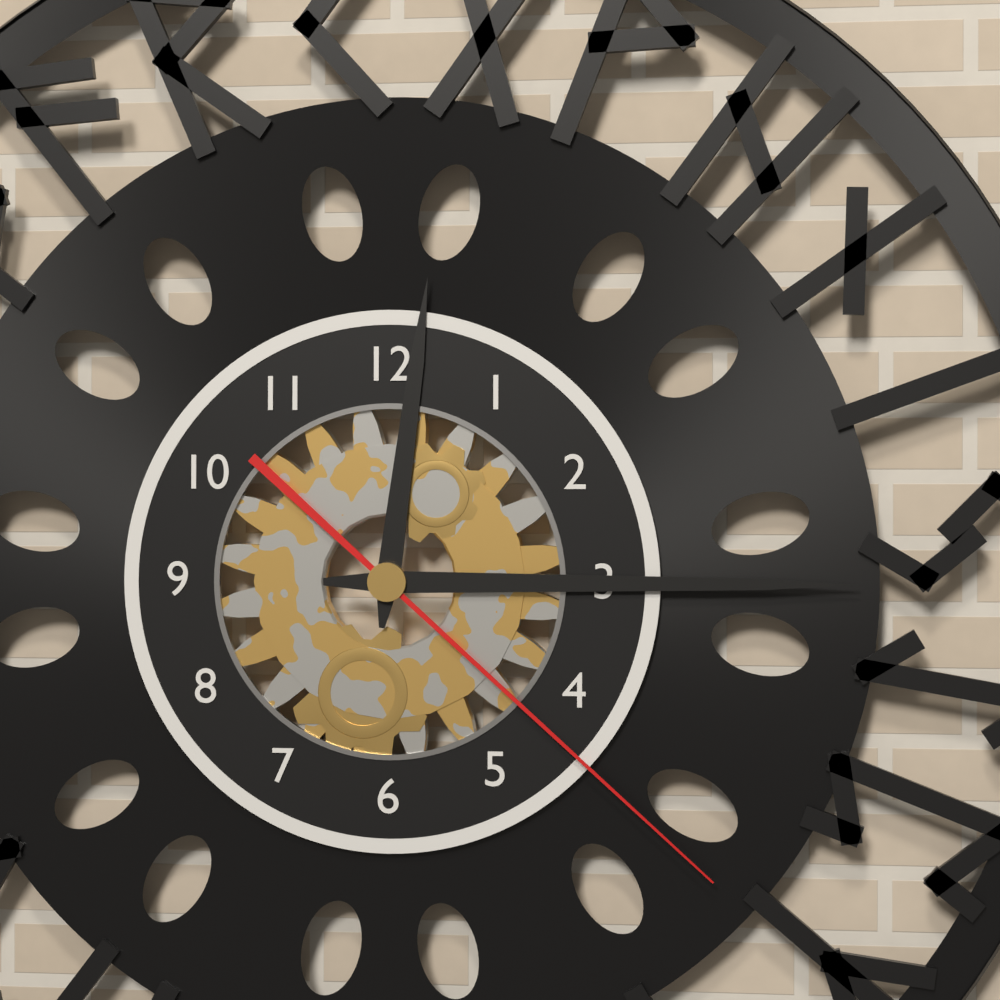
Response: 12:15:22
